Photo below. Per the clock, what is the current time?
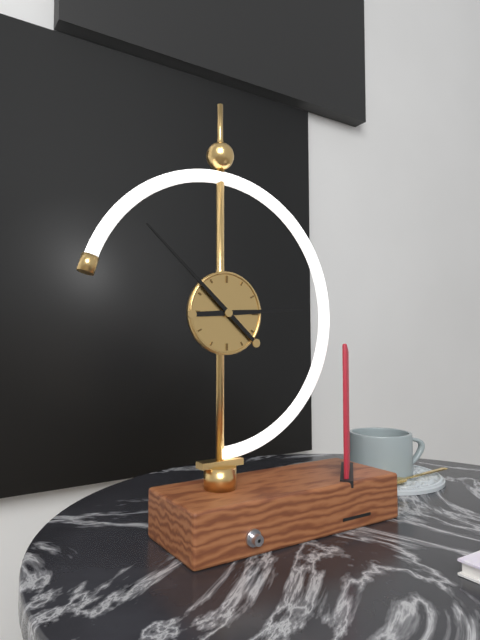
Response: 2:52
